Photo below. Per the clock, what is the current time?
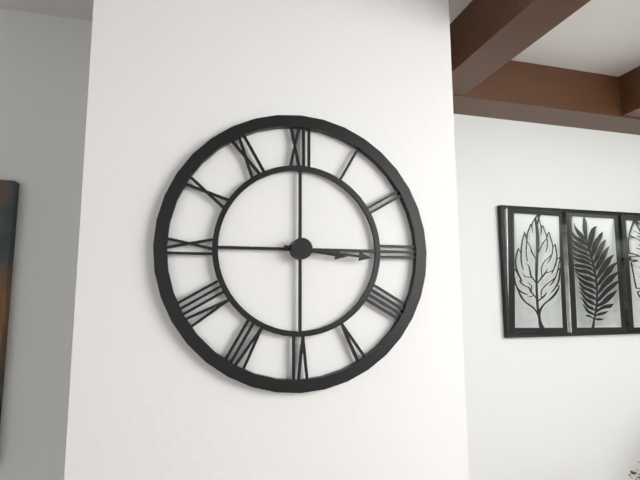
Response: 3:16
